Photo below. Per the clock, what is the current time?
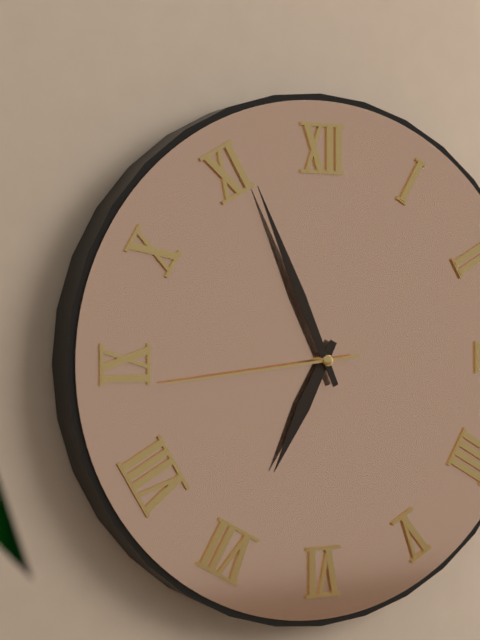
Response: 6:56:44
